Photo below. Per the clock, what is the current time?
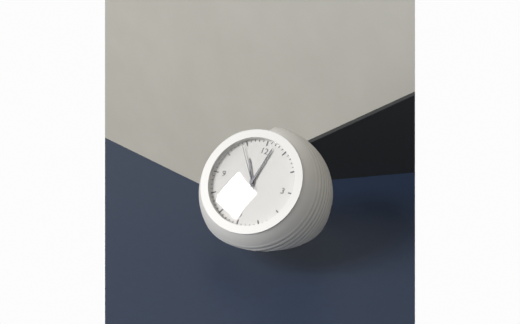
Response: 11:02
